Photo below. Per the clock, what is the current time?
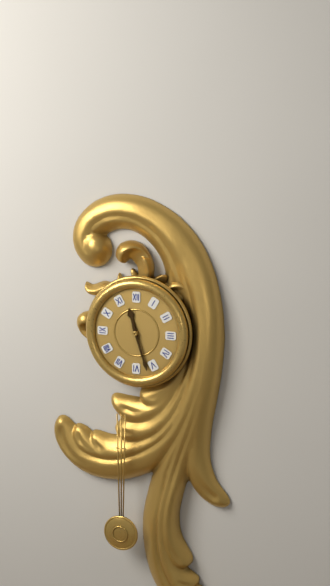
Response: 11:27
